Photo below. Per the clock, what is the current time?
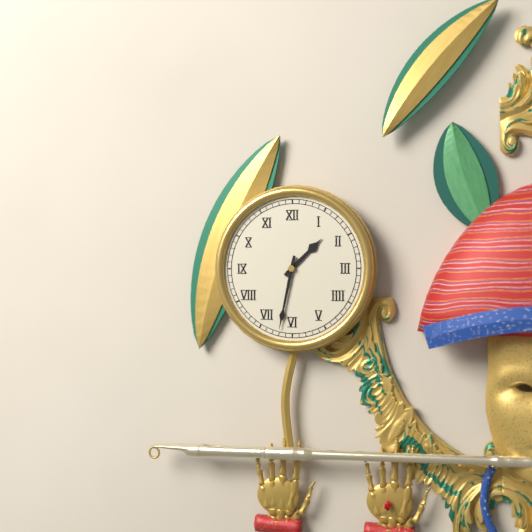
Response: 1:32
